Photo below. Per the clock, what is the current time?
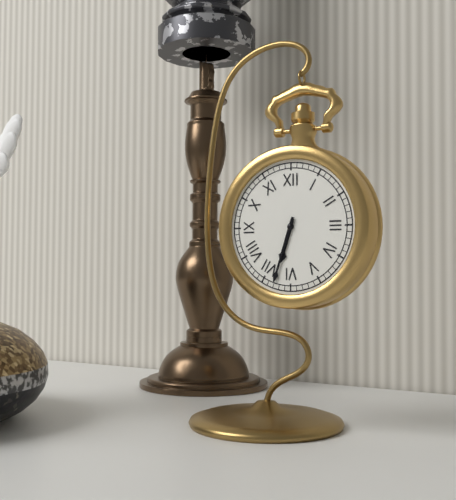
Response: 6:33
